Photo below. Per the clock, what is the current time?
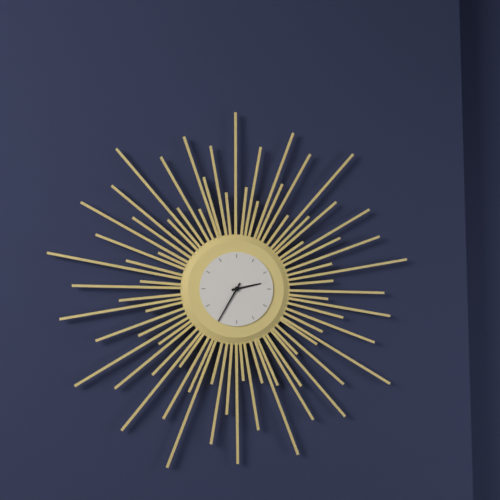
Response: 2:35
